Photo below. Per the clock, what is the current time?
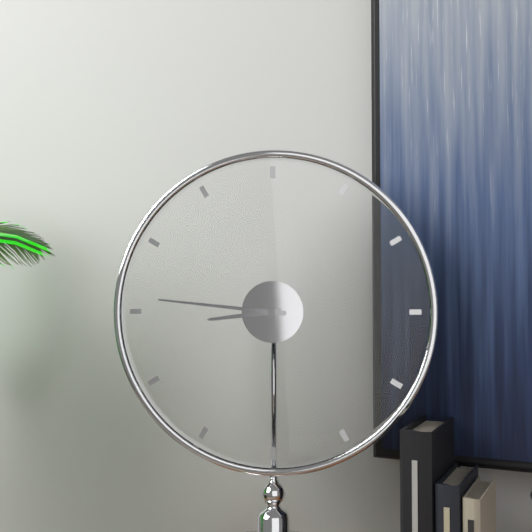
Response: 8:46
